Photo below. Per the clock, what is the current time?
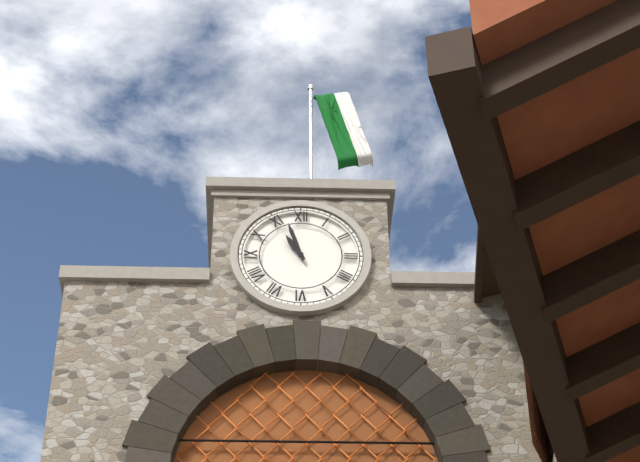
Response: 10:57
